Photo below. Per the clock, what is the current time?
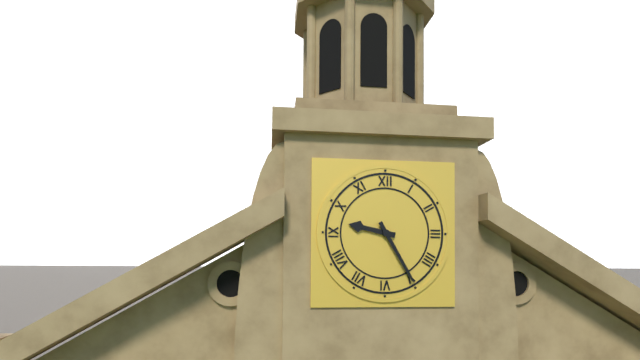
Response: 9:25
